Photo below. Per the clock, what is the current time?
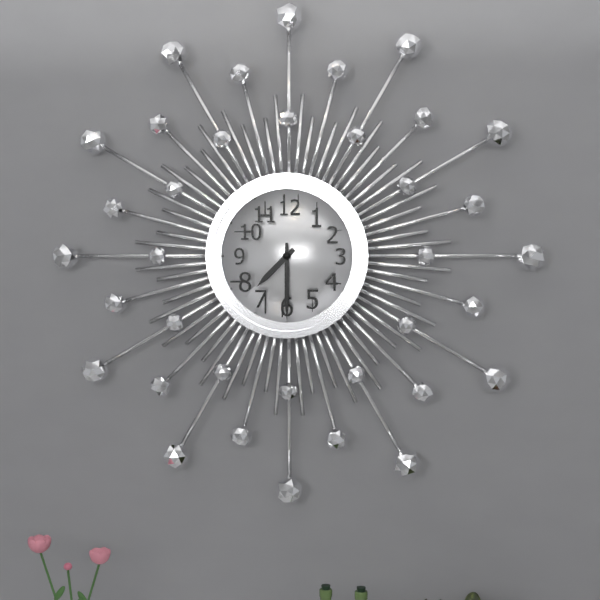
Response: 7:30
